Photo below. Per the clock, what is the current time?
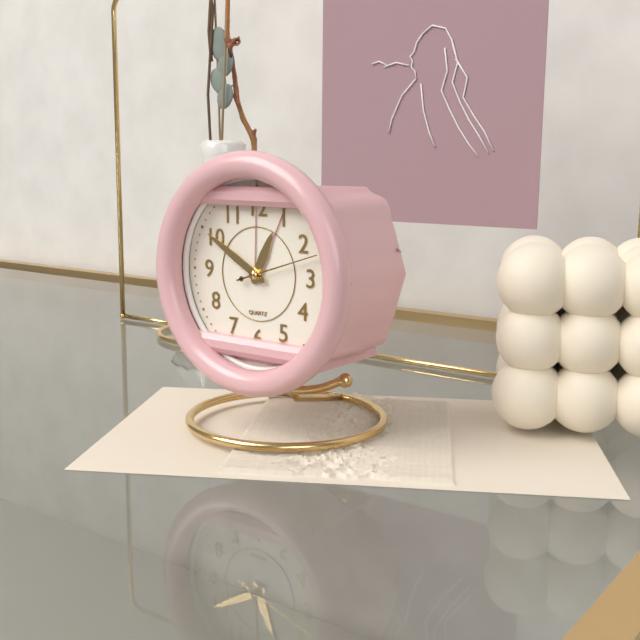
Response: 12:50:12
